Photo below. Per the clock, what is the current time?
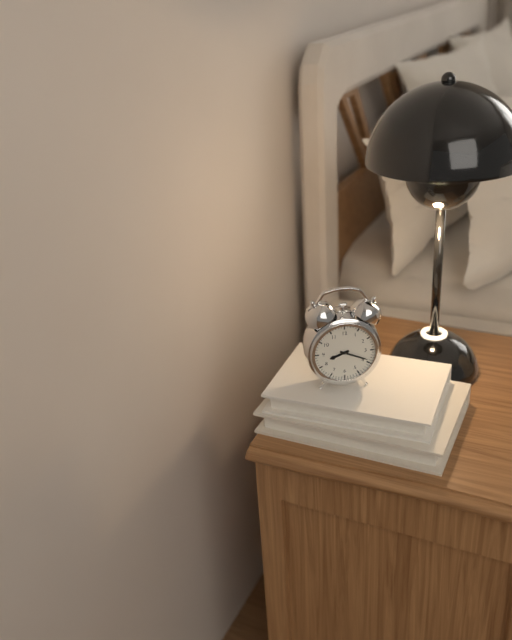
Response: 8:19
